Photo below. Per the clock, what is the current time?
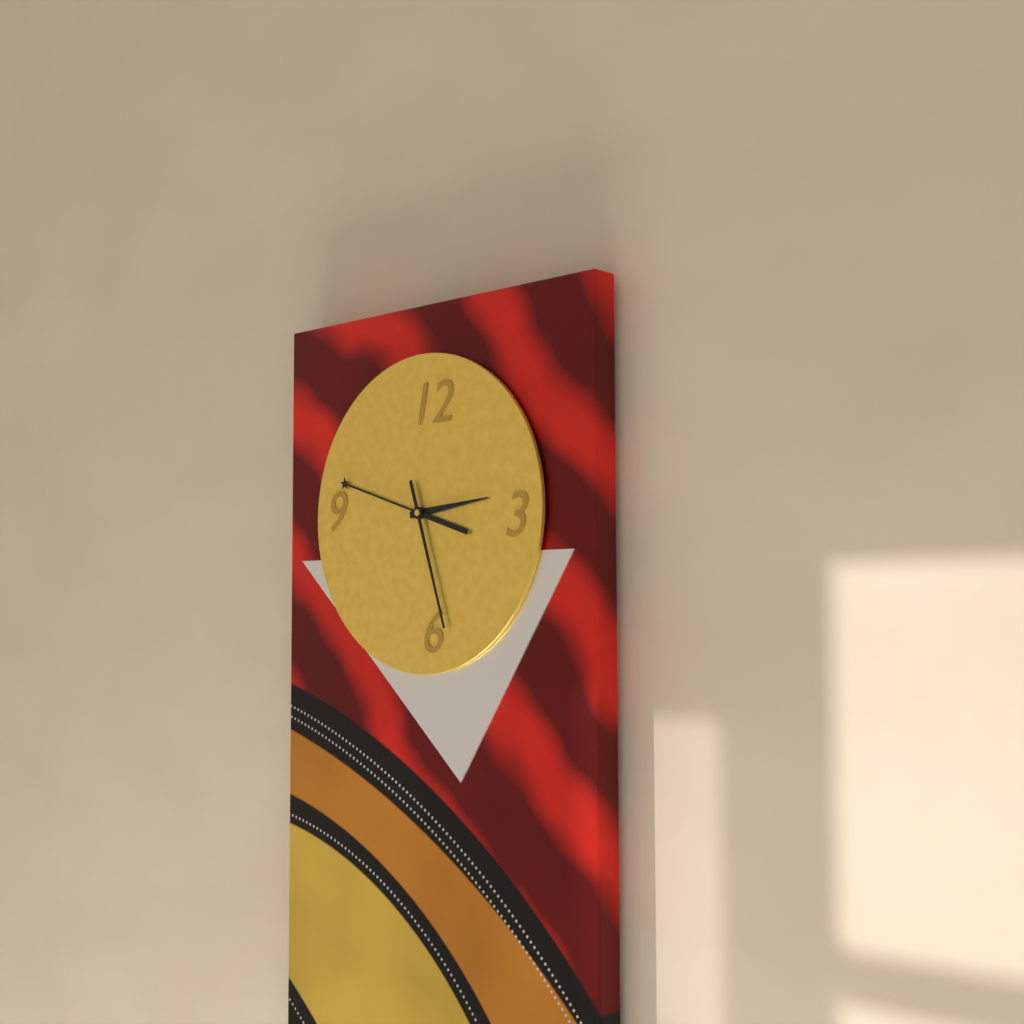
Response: 2:48:27
